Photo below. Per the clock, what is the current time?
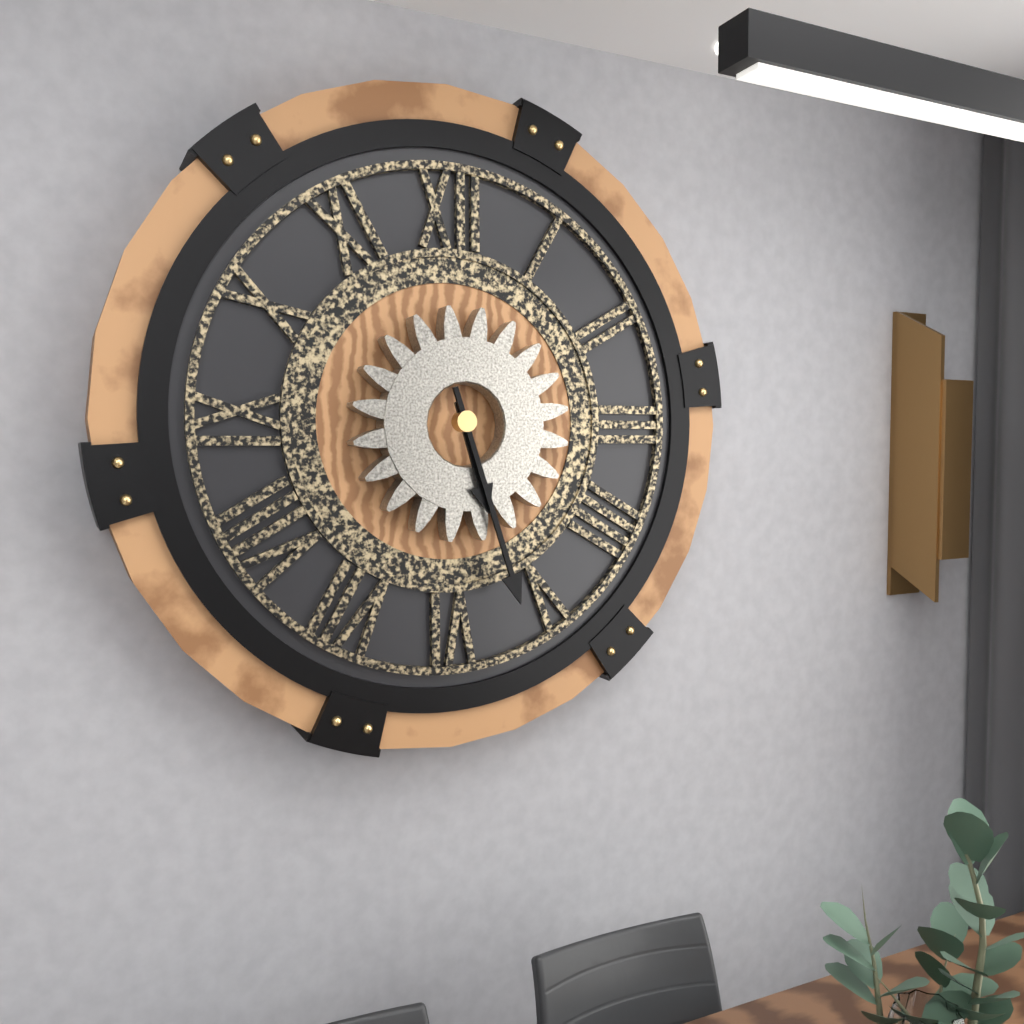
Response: 5:27
